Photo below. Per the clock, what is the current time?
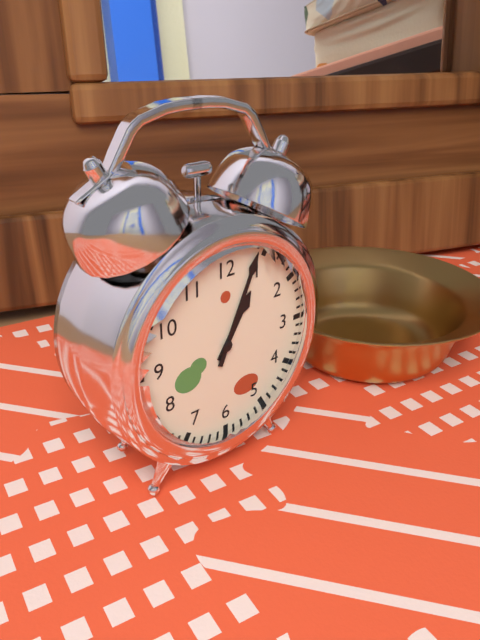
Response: 1:04
